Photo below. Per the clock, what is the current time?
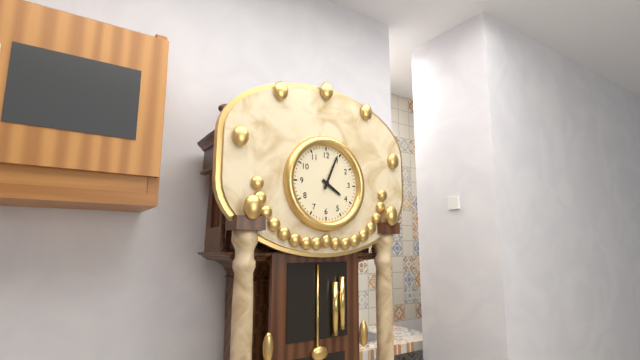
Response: 4:04
